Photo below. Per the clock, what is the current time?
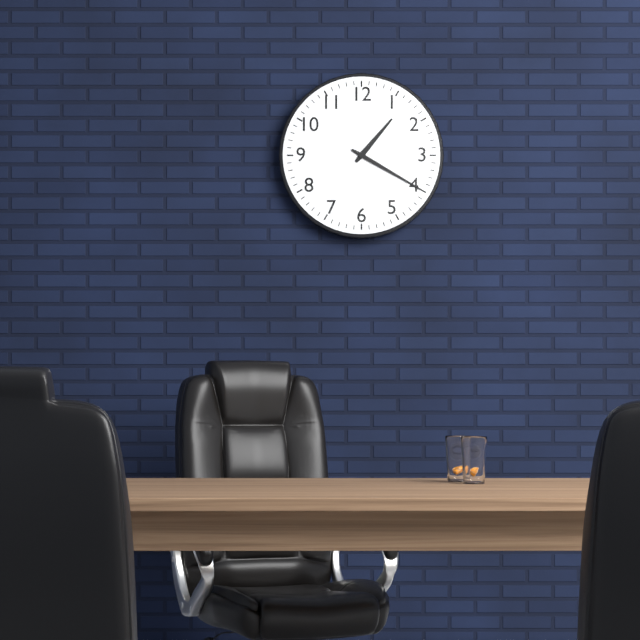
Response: 1:20
